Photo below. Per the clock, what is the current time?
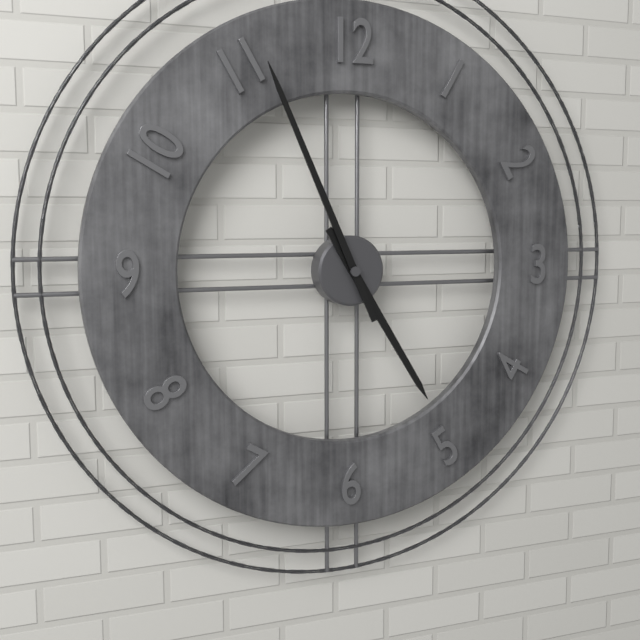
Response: 4:56
